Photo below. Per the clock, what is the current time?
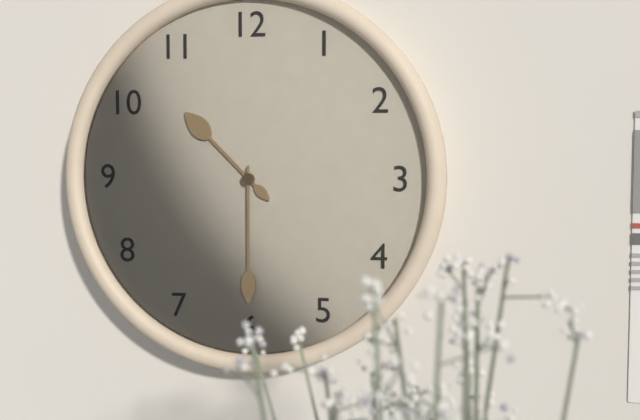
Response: 10:30
